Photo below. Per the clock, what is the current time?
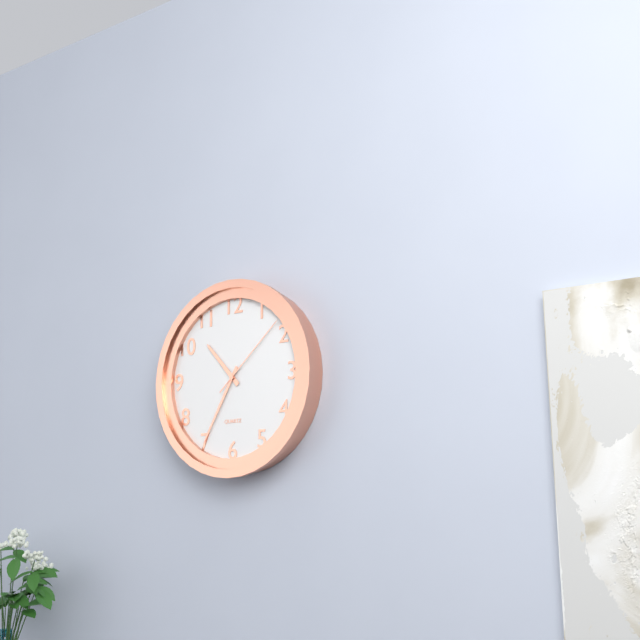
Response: 10:35:08
